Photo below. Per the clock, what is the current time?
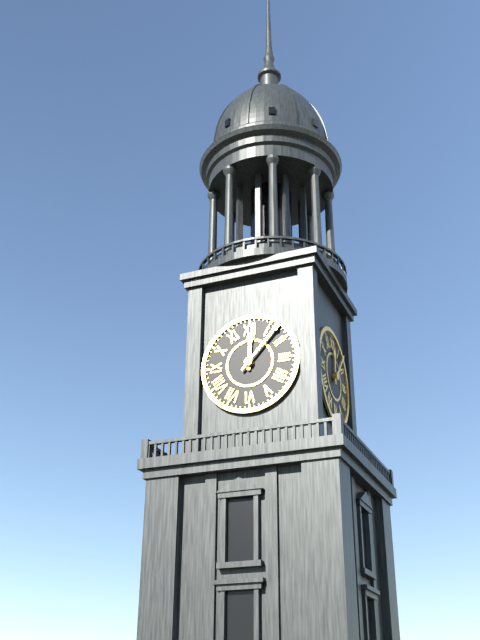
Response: 12:07
